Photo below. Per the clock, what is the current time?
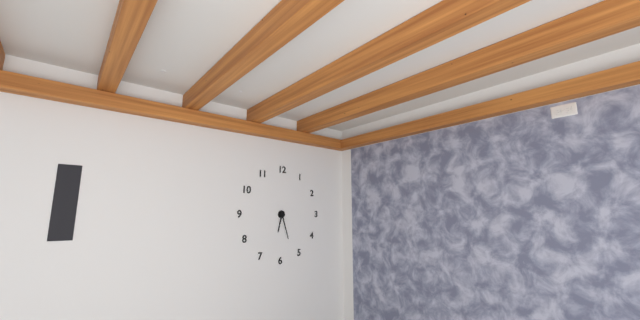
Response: 6:27
